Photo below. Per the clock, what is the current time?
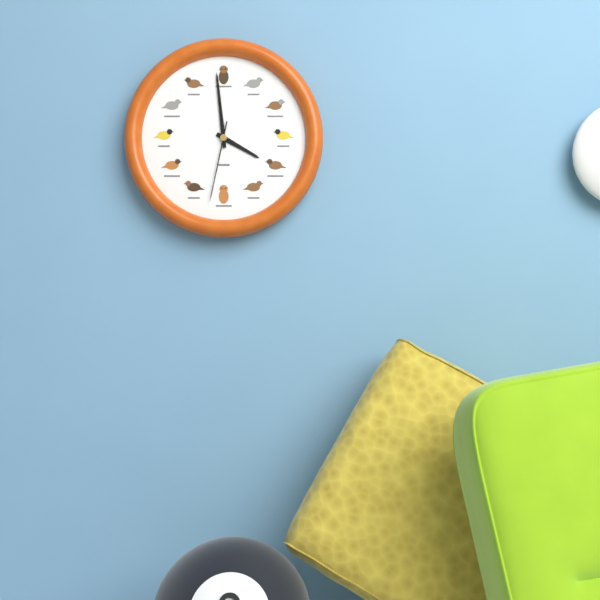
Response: 3:59:32
